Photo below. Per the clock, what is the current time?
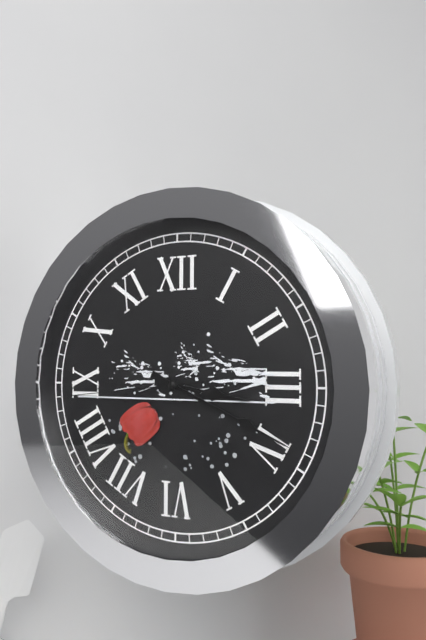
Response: 3:19:44
